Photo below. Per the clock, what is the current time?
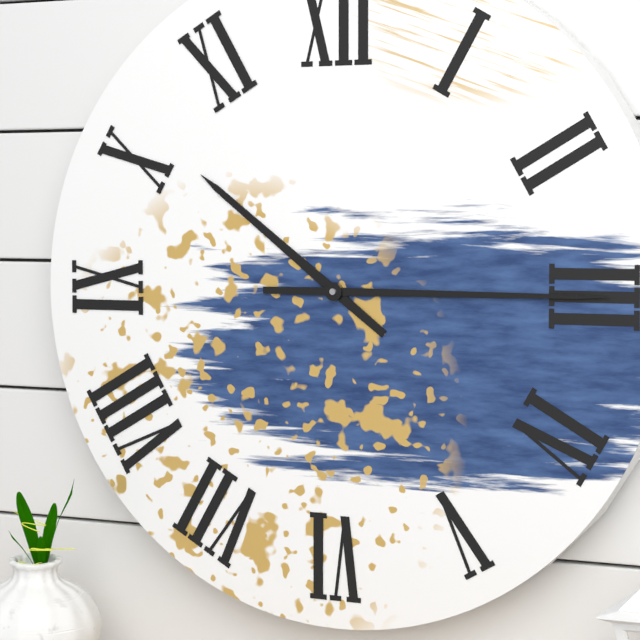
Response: 10:15
